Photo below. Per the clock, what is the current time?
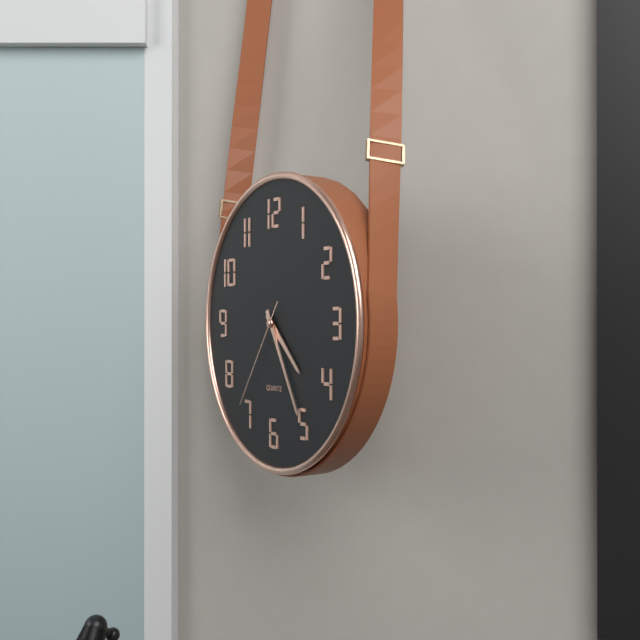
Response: 4:25:36
